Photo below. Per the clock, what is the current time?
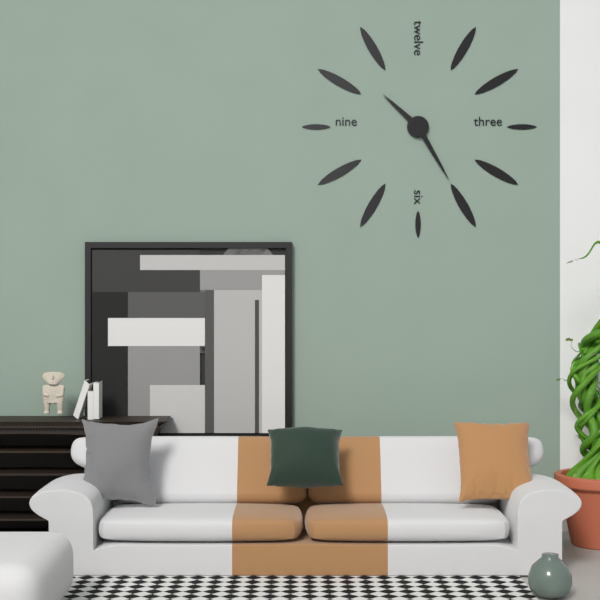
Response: 10:25
